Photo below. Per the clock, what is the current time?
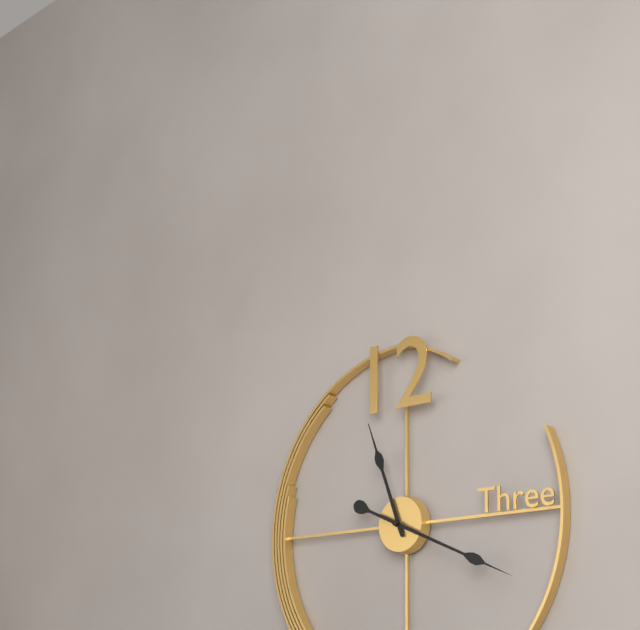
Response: 11:19
